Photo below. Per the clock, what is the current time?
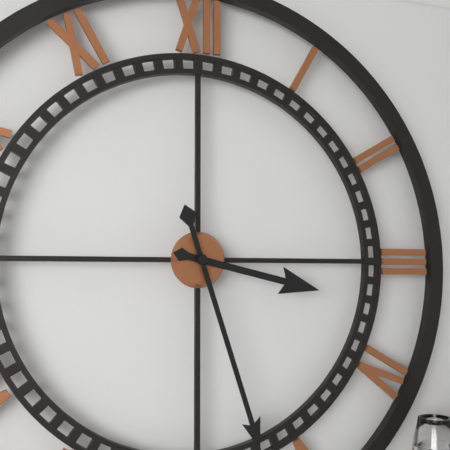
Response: 3:27
